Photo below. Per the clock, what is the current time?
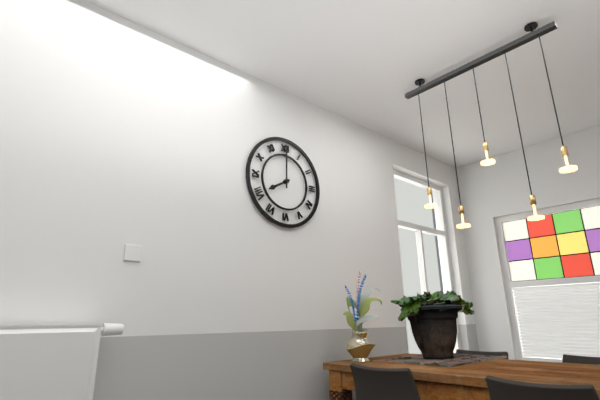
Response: 8:00
